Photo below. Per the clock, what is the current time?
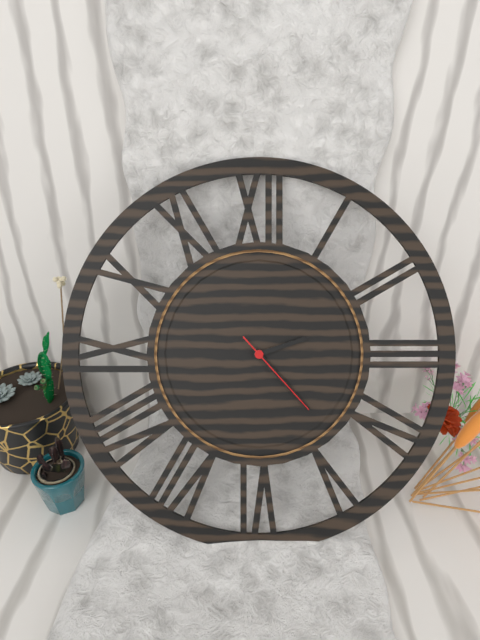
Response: 2:23:23
